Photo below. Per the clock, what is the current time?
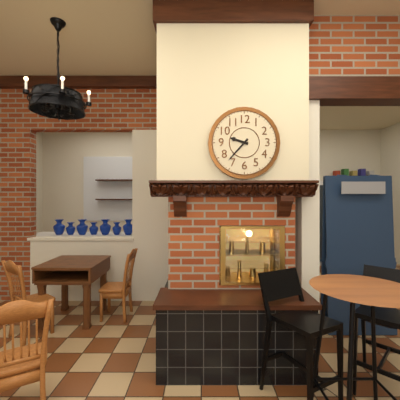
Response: 9:37
